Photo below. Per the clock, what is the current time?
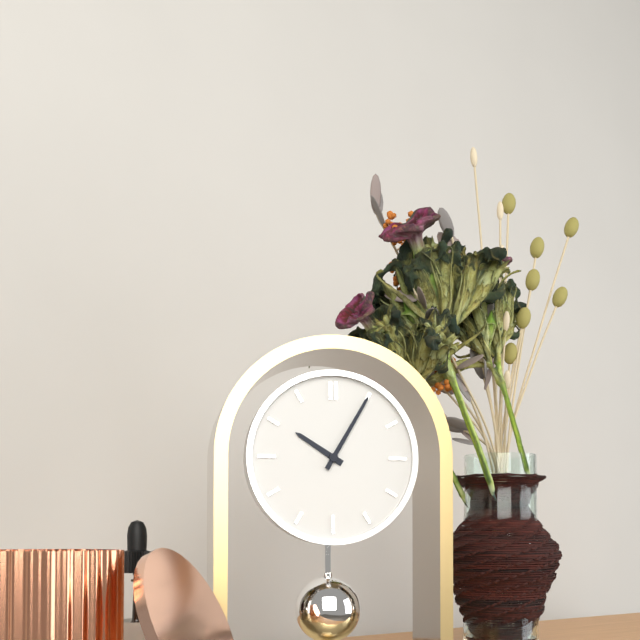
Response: 10:05
